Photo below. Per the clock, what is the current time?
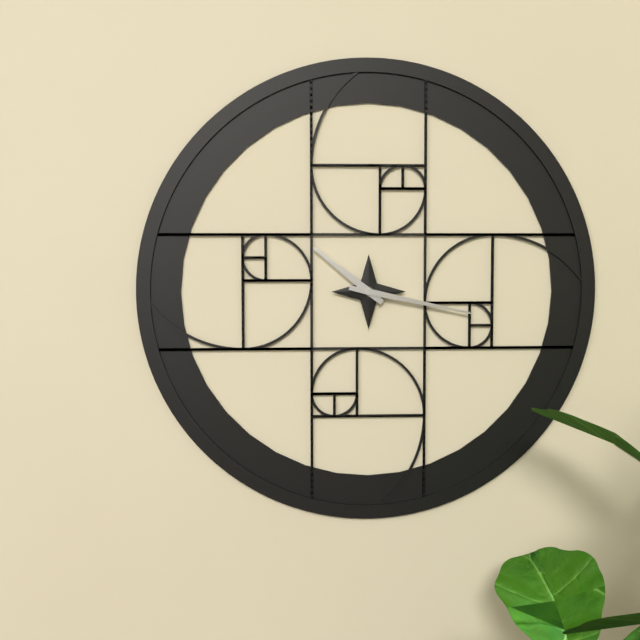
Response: 10:17
